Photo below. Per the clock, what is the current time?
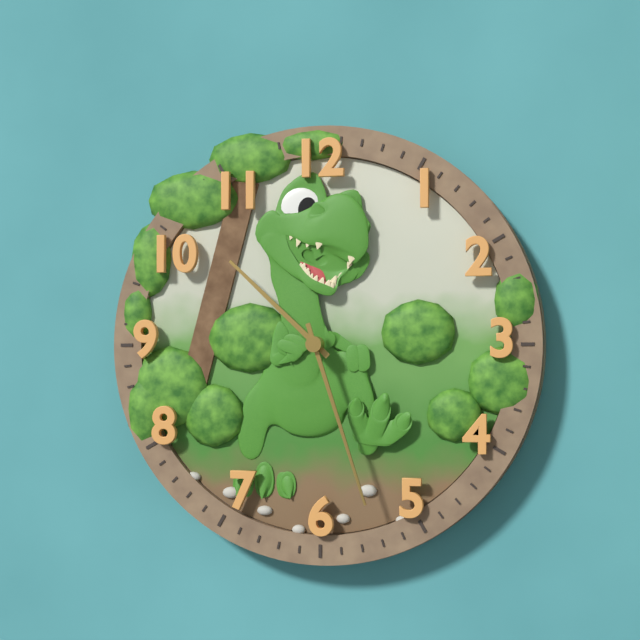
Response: 10:27
